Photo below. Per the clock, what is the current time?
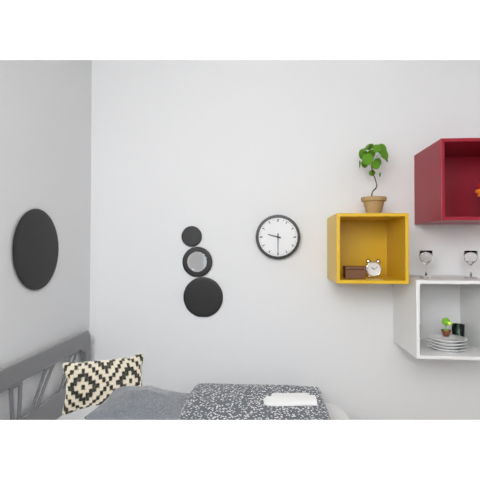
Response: 9:30
